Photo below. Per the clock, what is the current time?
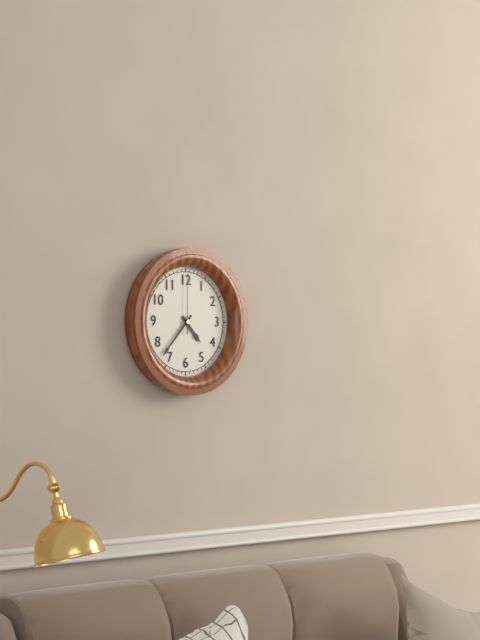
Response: 4:37:00
